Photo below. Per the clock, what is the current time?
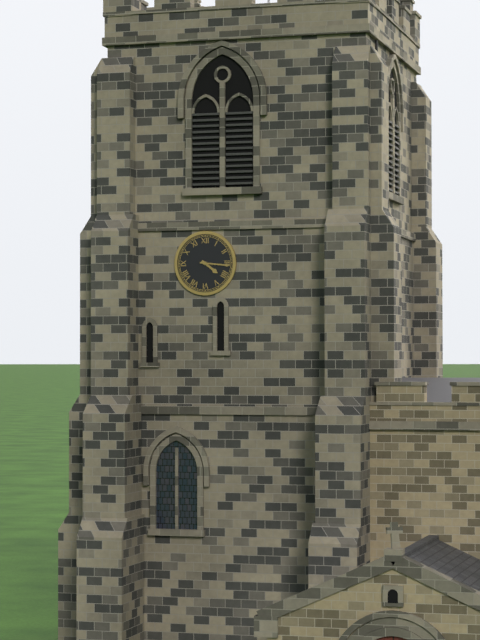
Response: 4:16
